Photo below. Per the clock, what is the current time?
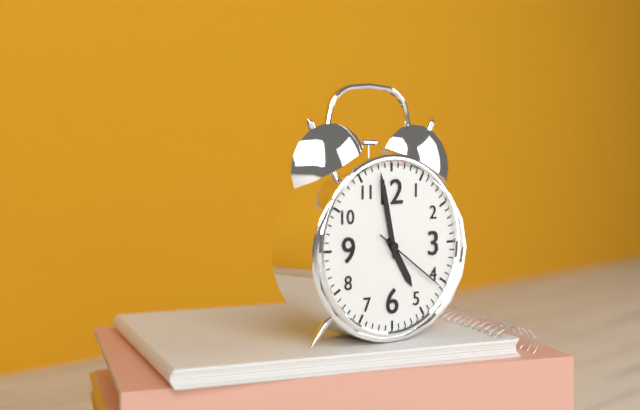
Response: 4:58:21
